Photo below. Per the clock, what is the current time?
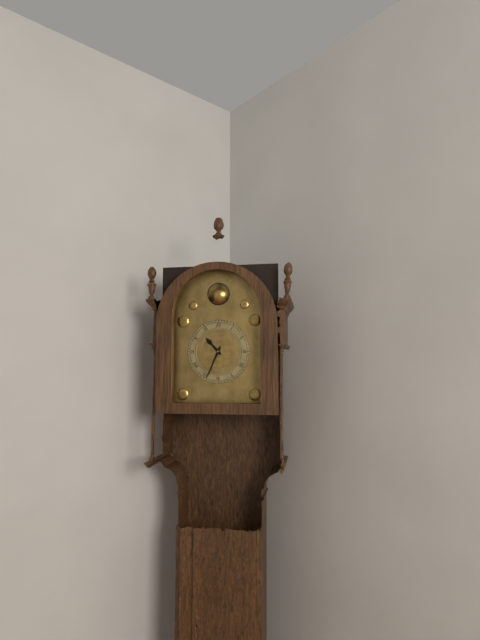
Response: 10:34
